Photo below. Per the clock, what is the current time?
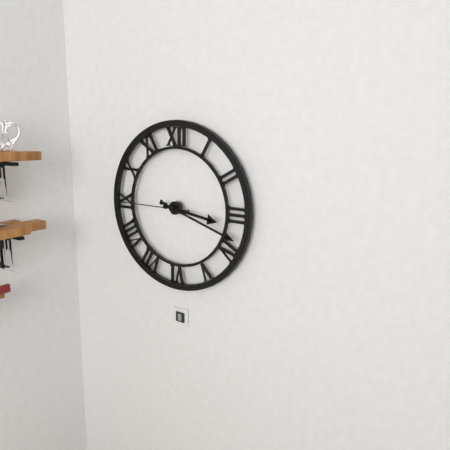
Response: 3:18:45
